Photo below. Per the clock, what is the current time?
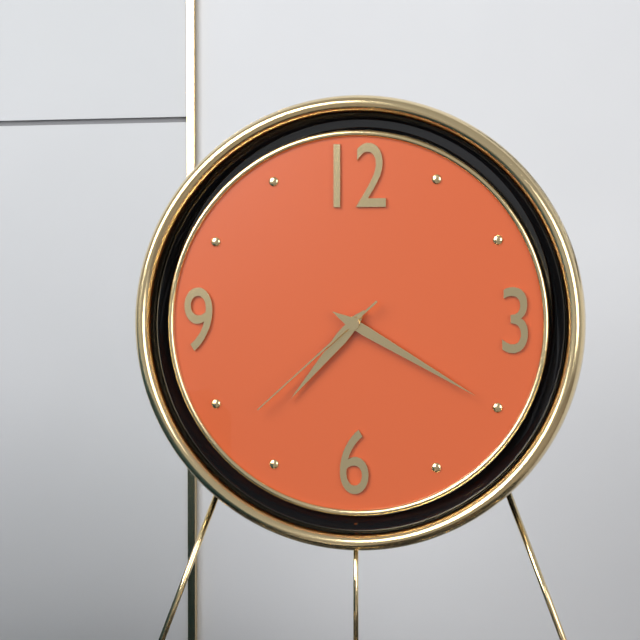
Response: 7:20:38
